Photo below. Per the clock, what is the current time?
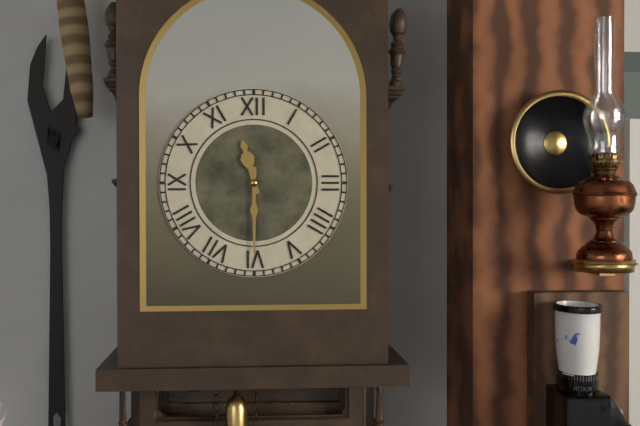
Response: 11:30
